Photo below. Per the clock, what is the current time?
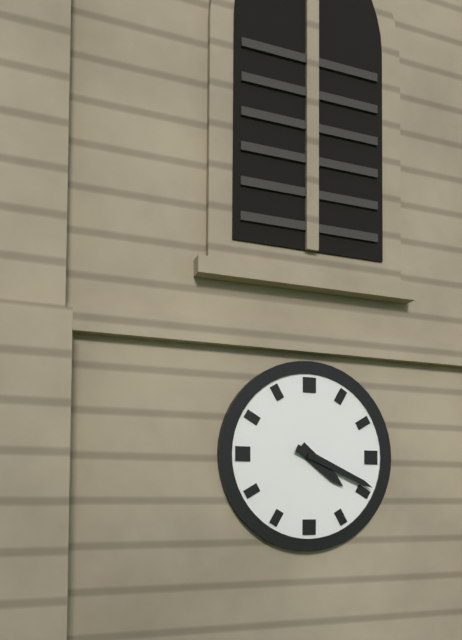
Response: 4:19
